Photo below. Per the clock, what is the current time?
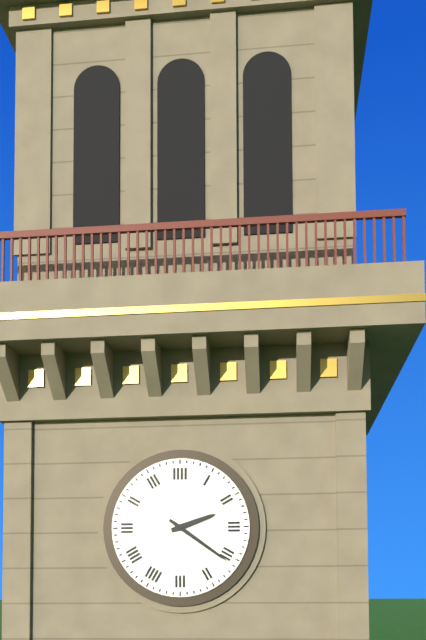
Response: 2:21
